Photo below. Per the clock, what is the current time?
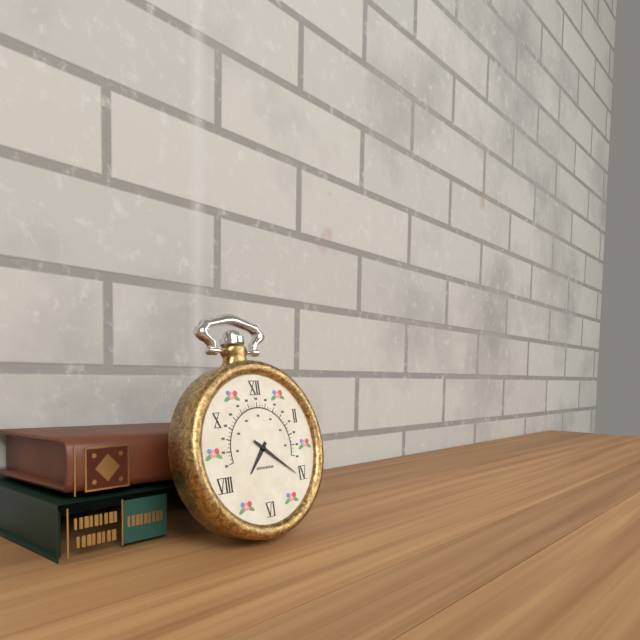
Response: 7:21
